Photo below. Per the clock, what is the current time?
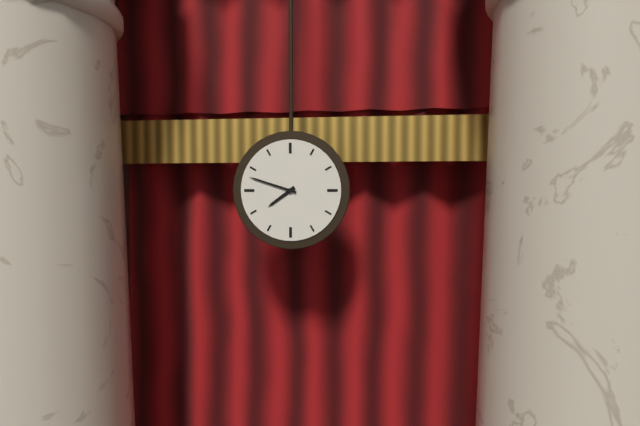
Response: 7:48
